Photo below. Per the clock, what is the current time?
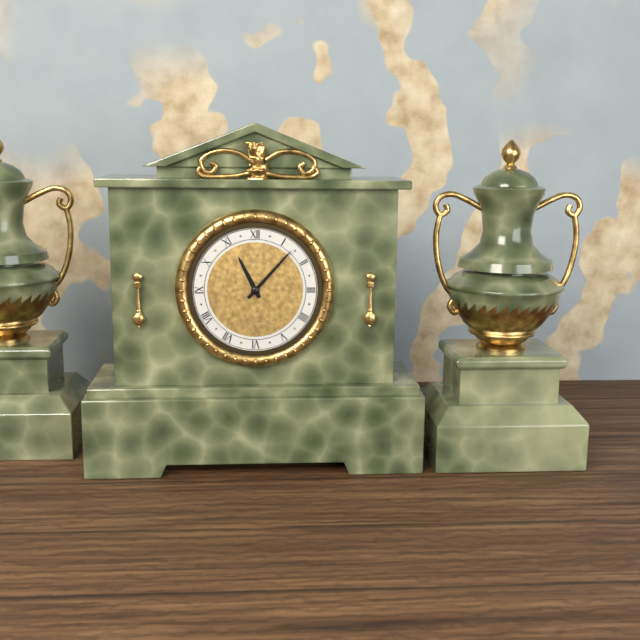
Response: 11:07
